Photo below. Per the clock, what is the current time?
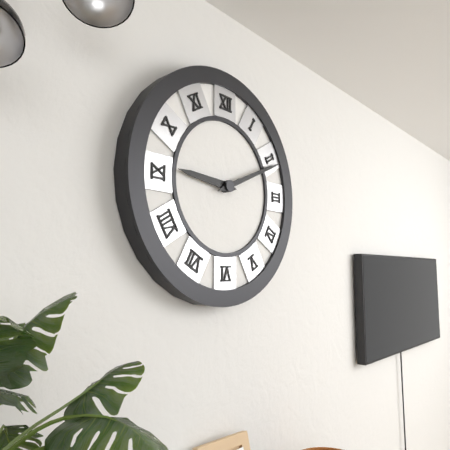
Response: 9:11
